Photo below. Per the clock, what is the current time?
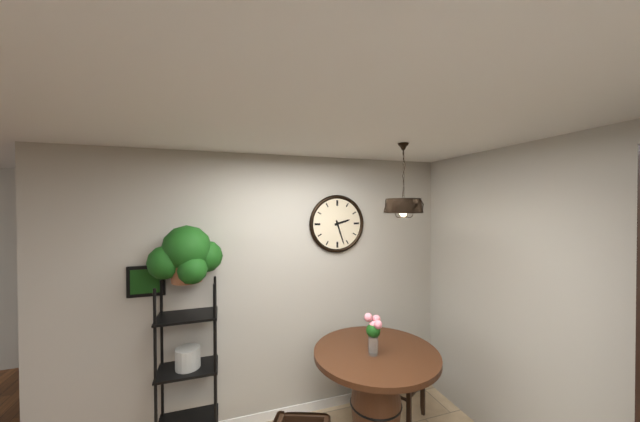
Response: 2:27
